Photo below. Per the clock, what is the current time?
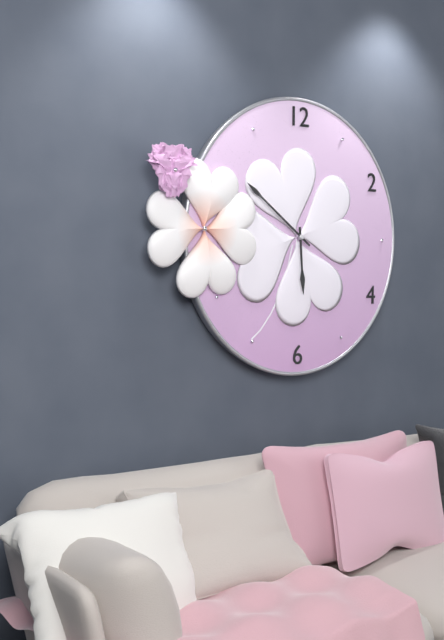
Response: 5:51
